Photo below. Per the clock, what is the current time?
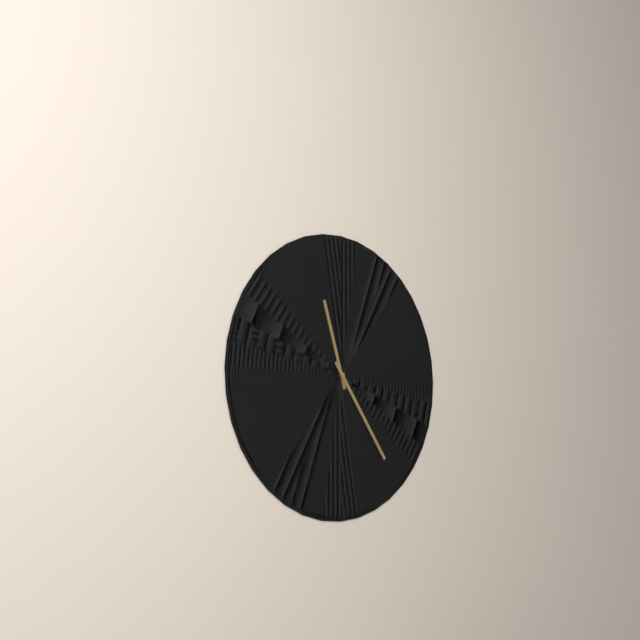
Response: 11:24
